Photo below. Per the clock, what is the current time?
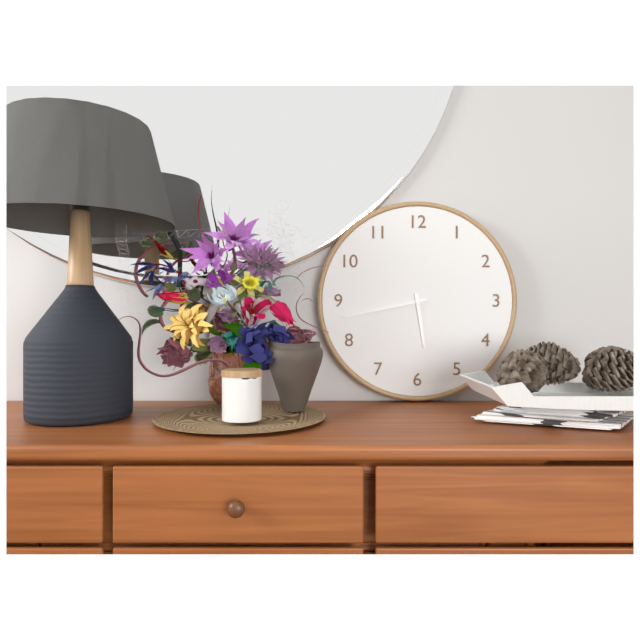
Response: 5:43
